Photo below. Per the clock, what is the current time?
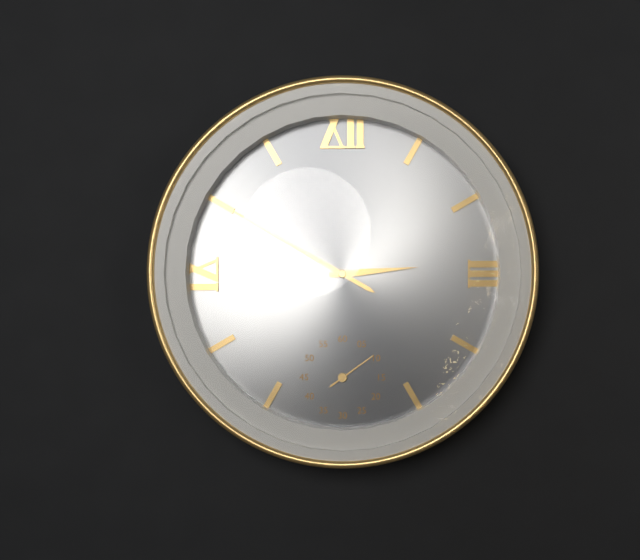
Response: 2:50
